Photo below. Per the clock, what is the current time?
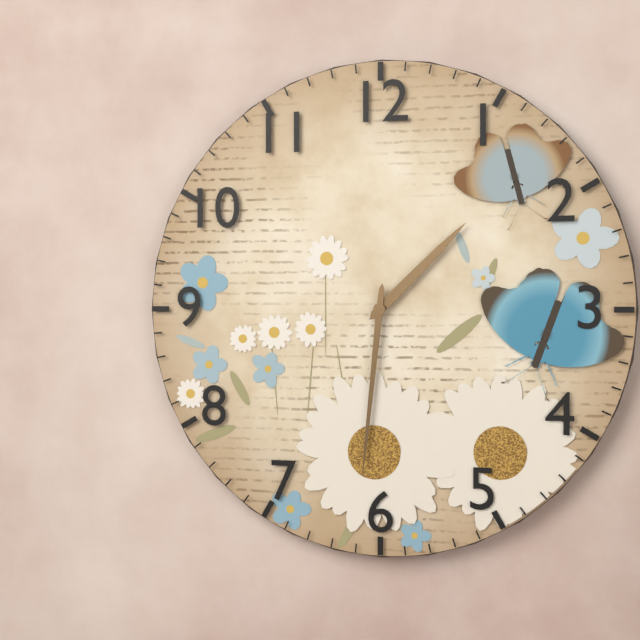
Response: 1:31
